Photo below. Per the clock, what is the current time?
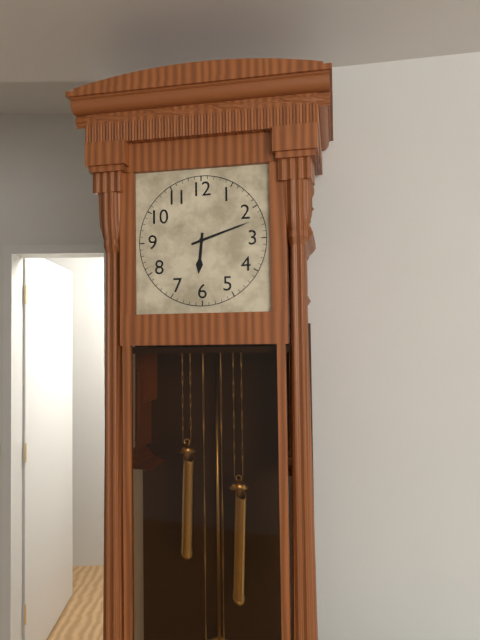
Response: 6:12
